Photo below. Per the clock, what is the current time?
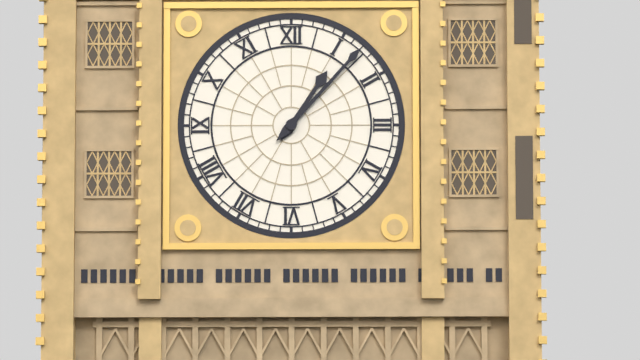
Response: 1:07
